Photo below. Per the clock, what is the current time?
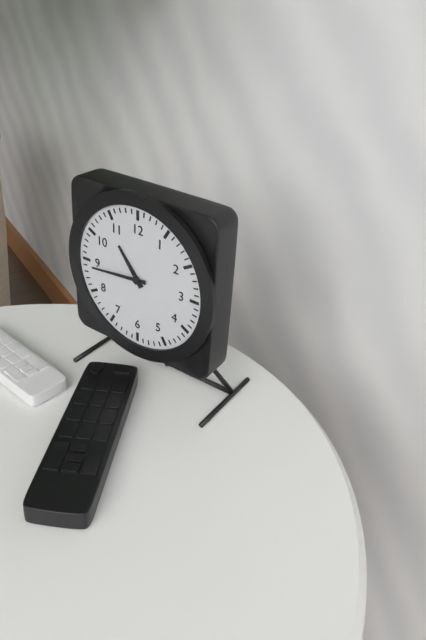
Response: 10:44
